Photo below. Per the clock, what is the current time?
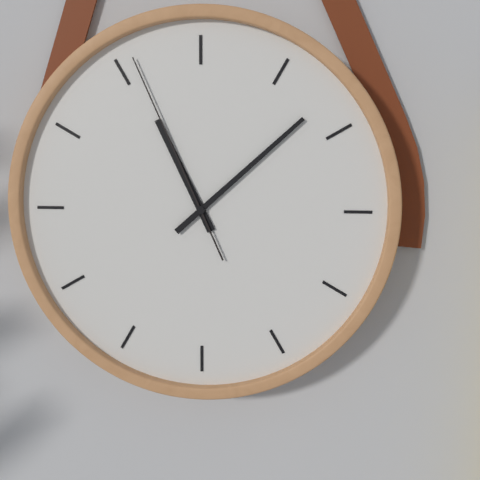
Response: 11:08:56
